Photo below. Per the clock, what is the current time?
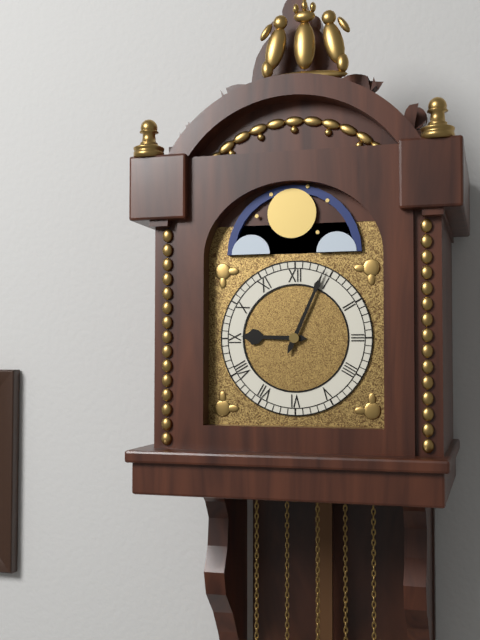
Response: 9:04
